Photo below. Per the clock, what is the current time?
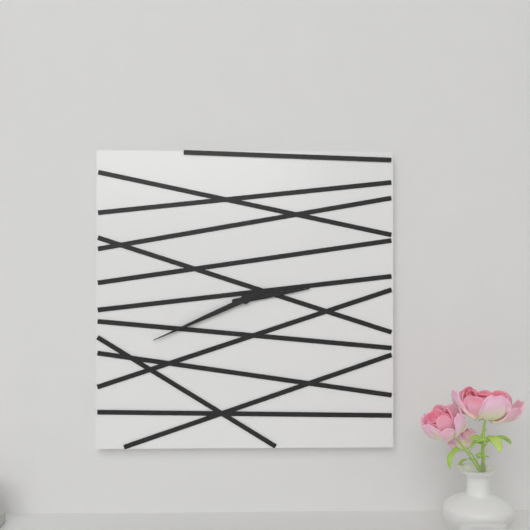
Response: 2:41
